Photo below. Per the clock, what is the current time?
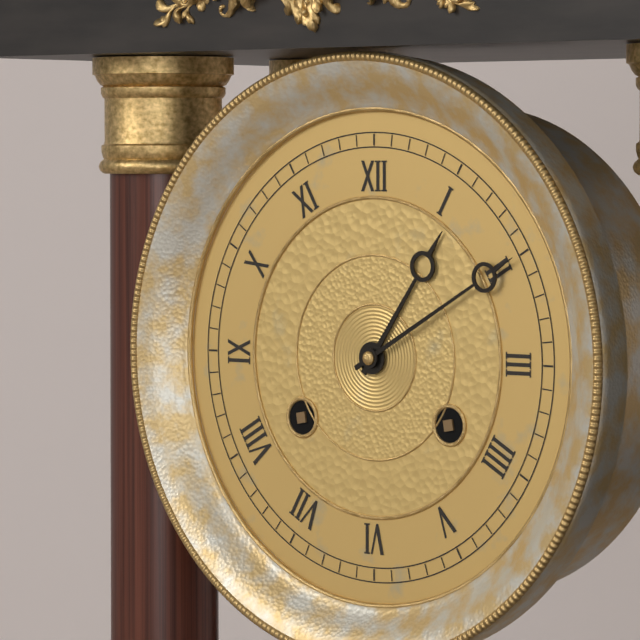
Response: 1:10
